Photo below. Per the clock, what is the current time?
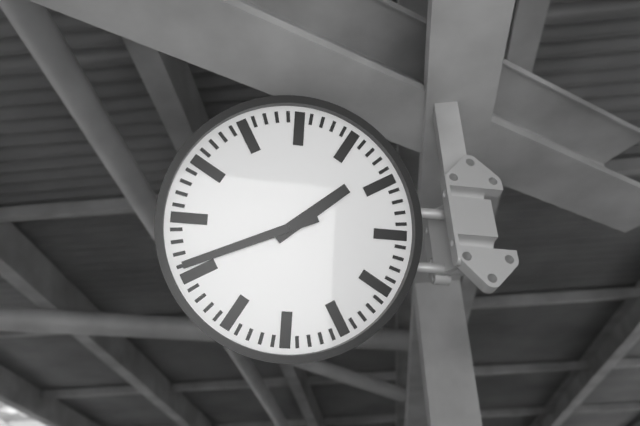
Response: 1:41
